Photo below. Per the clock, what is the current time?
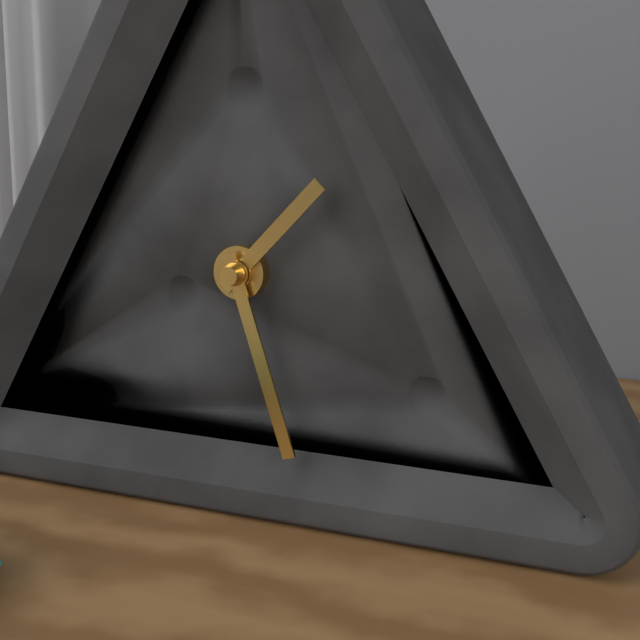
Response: 1:27
